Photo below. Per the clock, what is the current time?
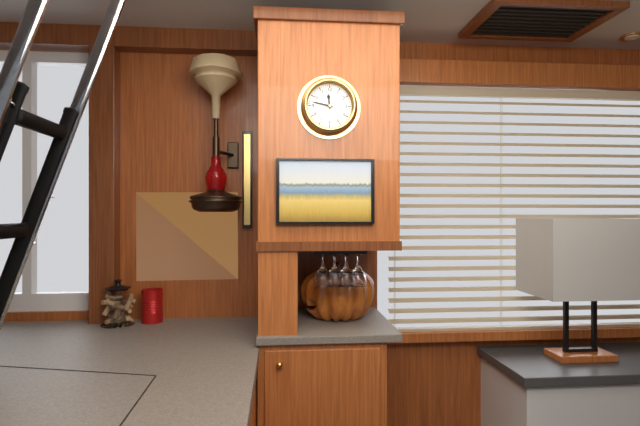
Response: 11:47
